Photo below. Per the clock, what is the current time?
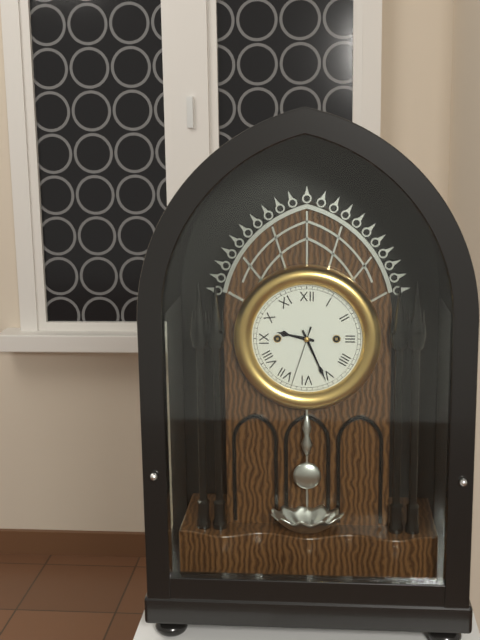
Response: 9:26:33
